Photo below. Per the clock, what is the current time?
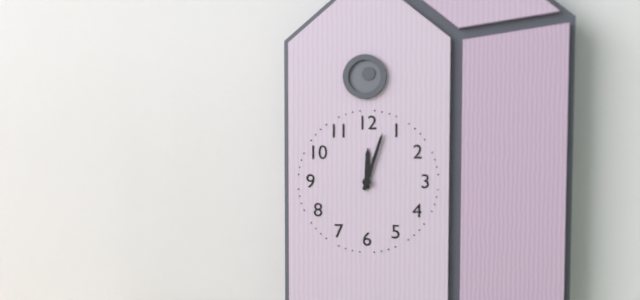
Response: 12:03
